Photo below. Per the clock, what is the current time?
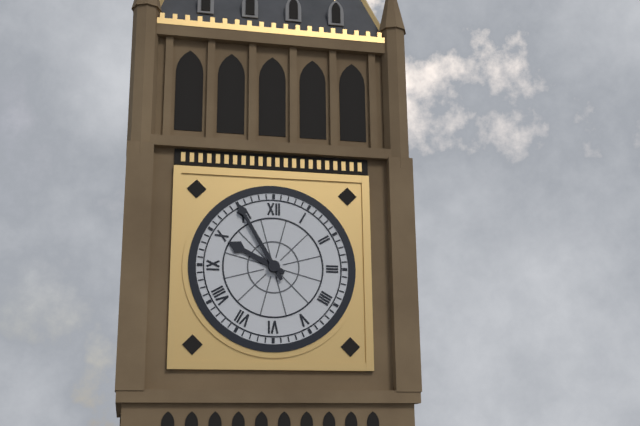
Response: 9:55
